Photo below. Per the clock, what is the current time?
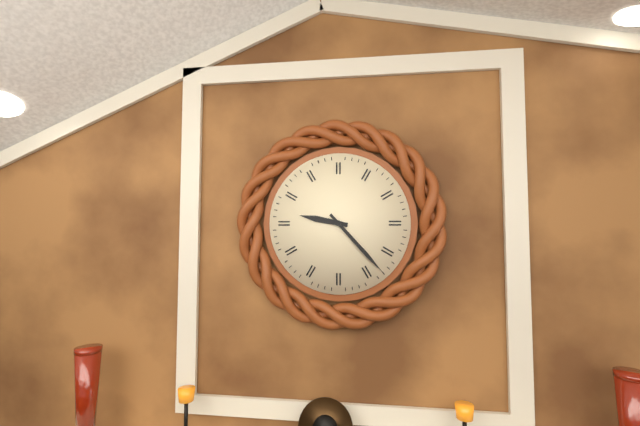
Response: 9:23
